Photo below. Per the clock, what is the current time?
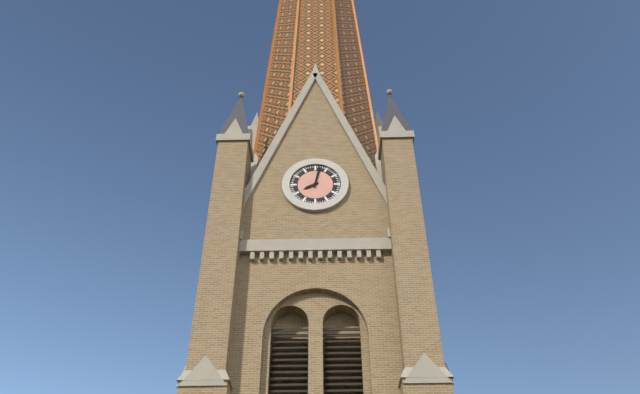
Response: 8:02
